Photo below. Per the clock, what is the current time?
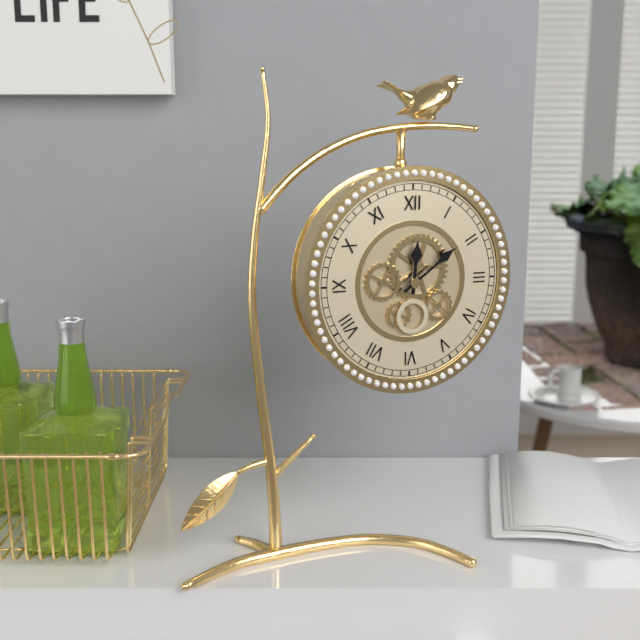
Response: 12:09
